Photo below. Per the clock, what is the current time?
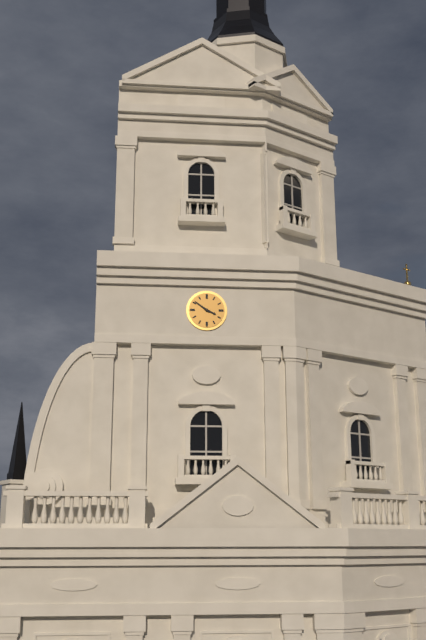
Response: 3:51
